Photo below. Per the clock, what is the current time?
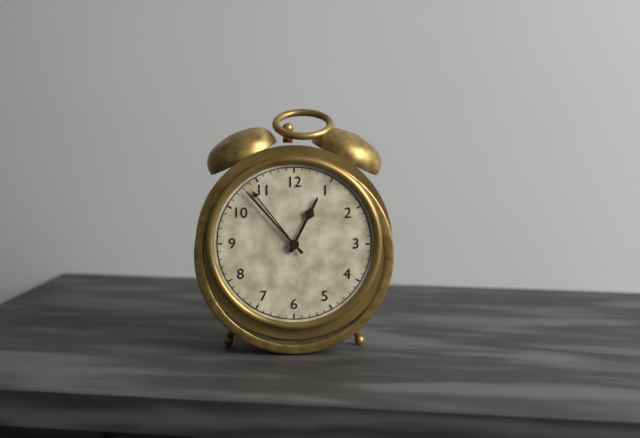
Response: 12:53
